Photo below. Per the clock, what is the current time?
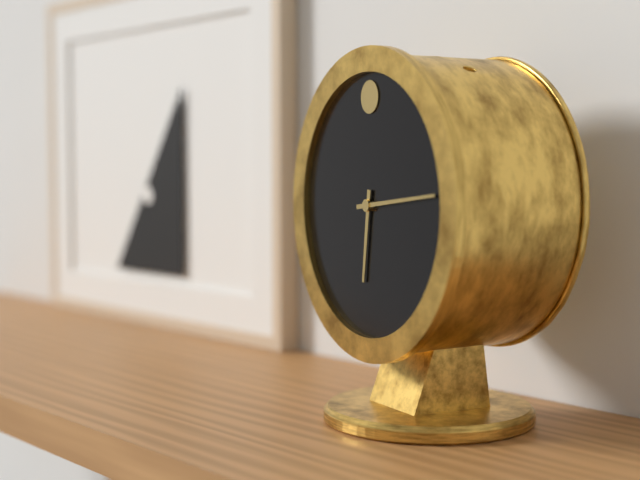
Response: 6:14
